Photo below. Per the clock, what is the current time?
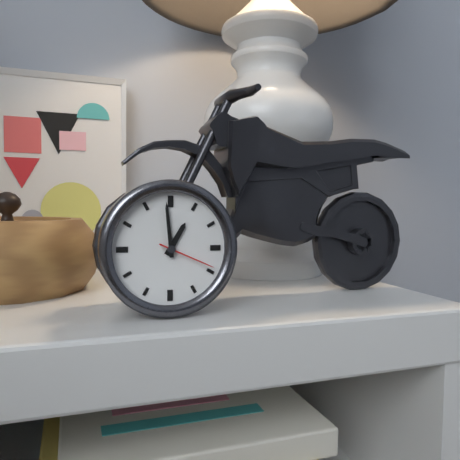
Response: 12:59:19
